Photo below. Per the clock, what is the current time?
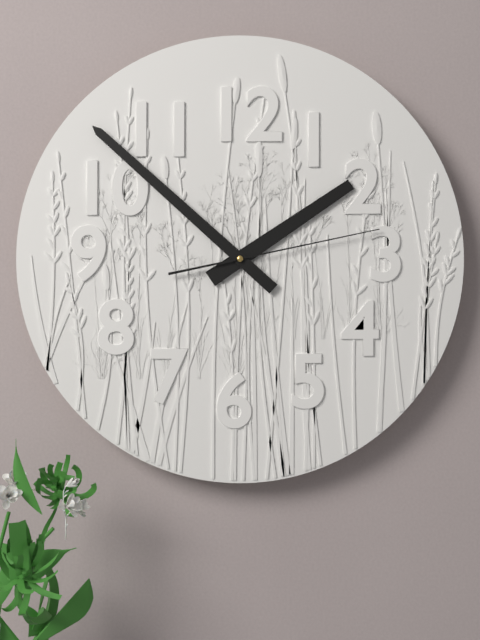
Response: 1:52:13
